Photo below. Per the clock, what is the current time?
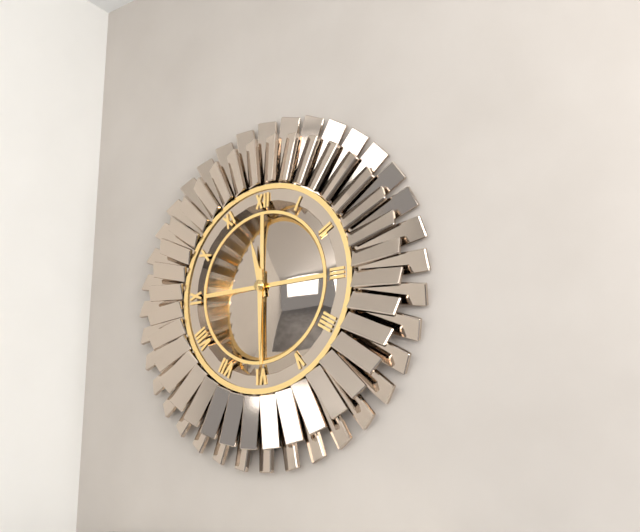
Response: 11:30
